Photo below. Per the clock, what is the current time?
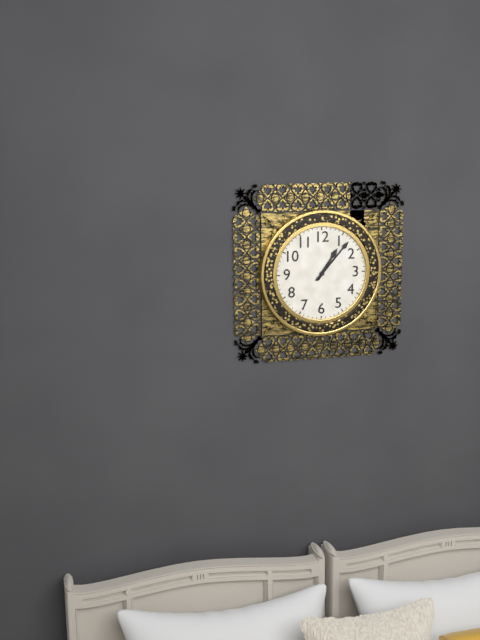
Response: 1:07
